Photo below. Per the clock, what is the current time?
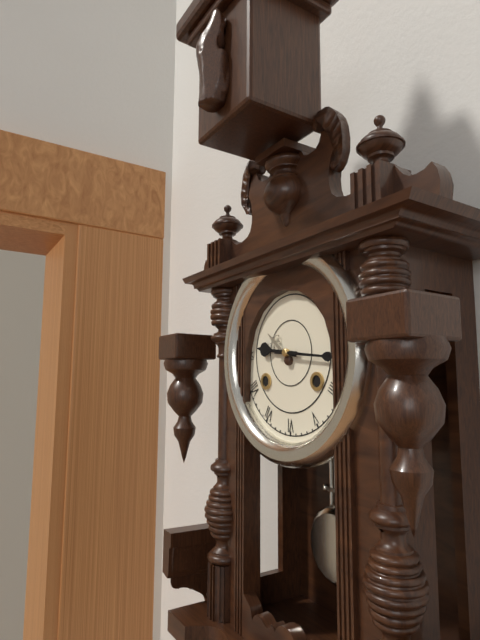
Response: 9:16
